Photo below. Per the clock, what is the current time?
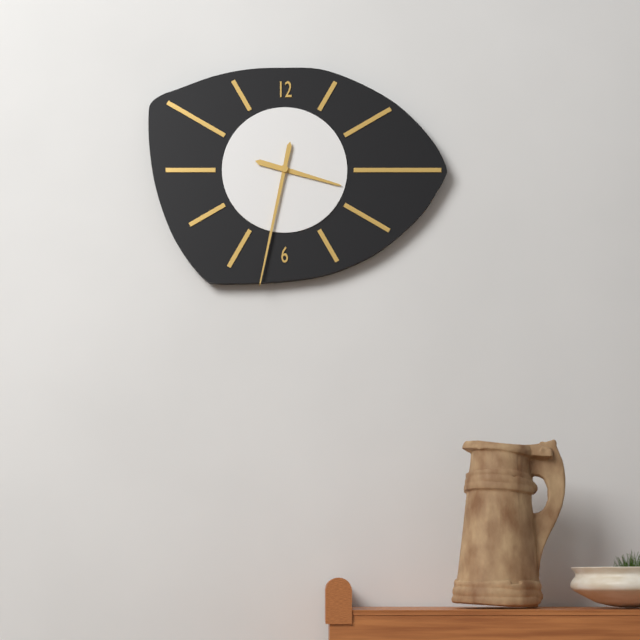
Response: 3:32
